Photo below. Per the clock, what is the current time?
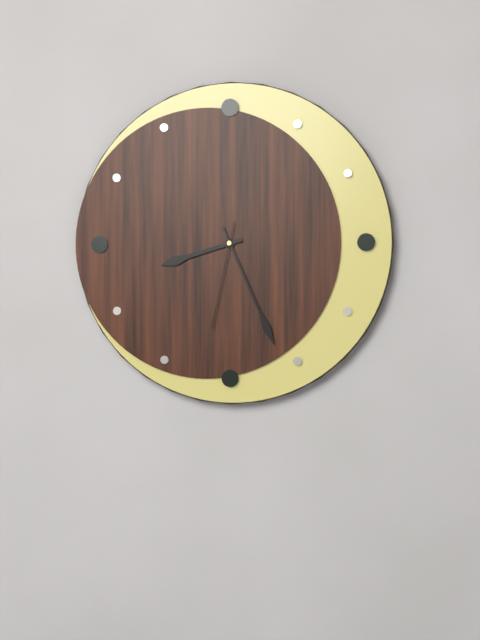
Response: 8:26:32
